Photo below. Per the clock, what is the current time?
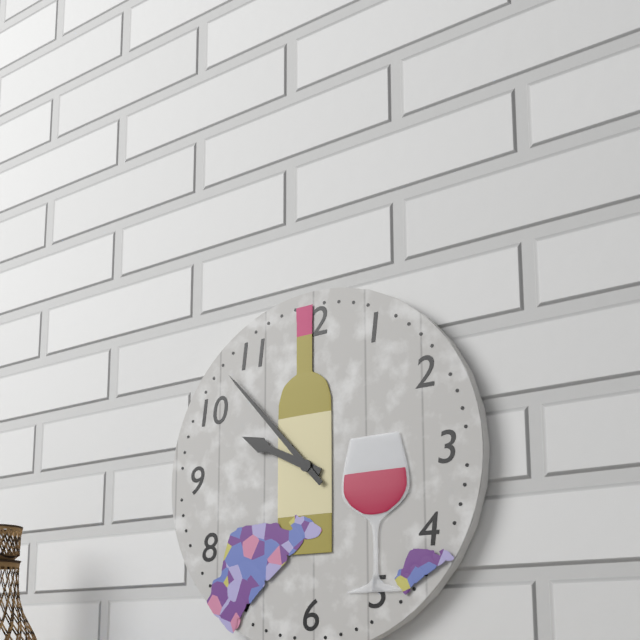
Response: 9:53
